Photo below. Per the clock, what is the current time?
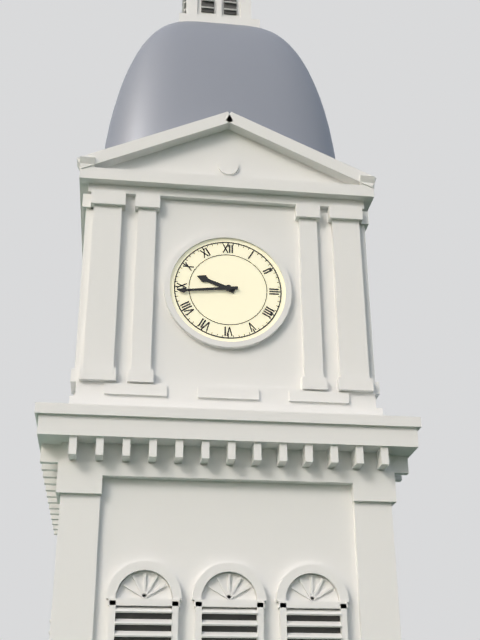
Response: 9:44
